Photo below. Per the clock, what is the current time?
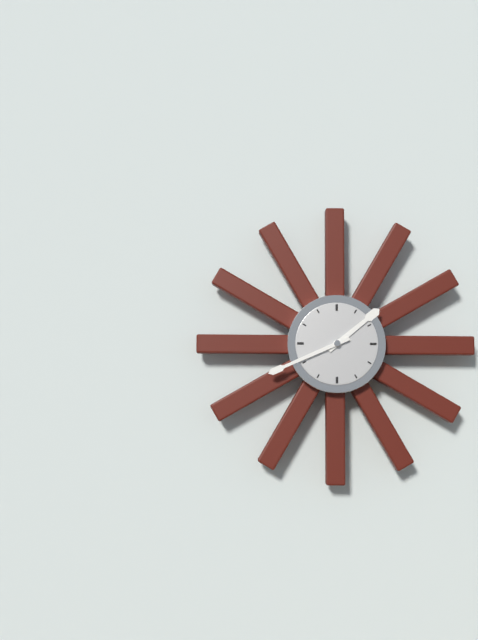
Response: 1:41
